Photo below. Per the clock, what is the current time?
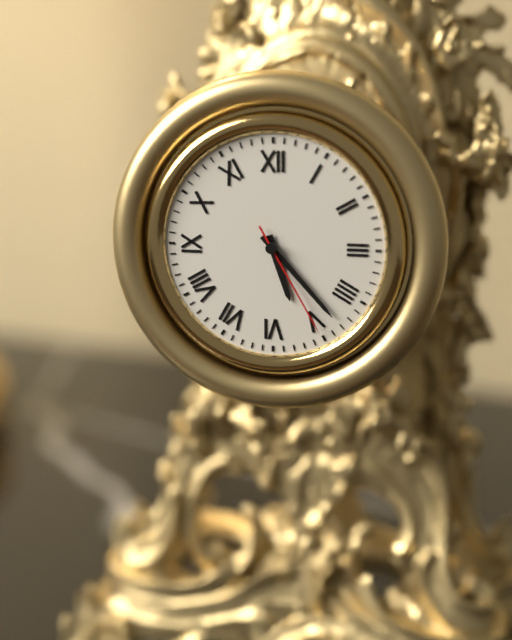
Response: 5:23:25
